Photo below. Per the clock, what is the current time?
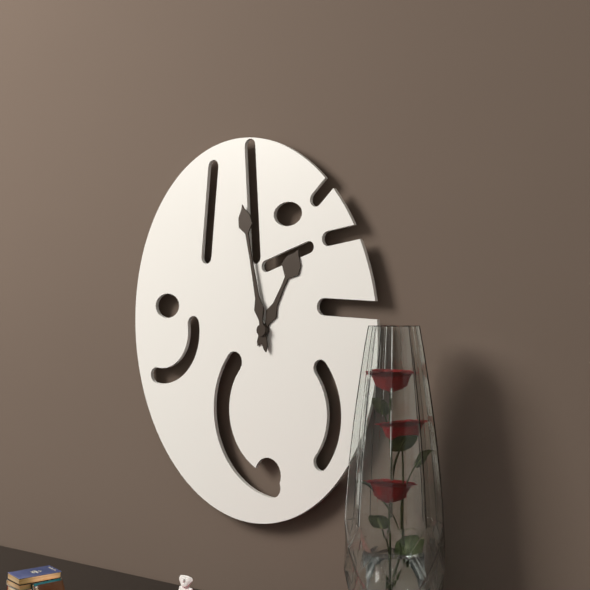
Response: 12:58
